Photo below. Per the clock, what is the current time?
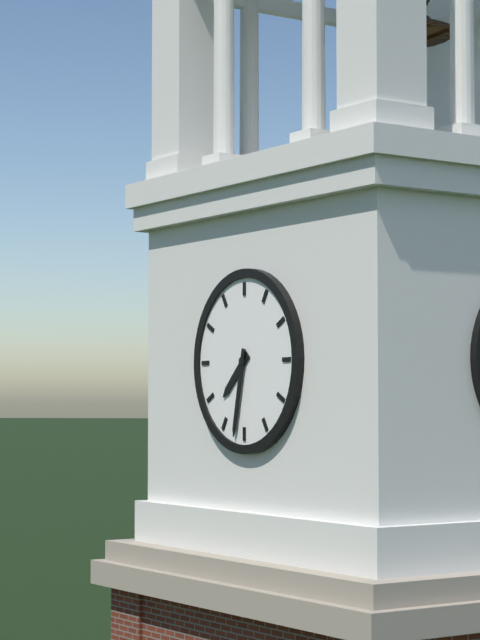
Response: 7:32
